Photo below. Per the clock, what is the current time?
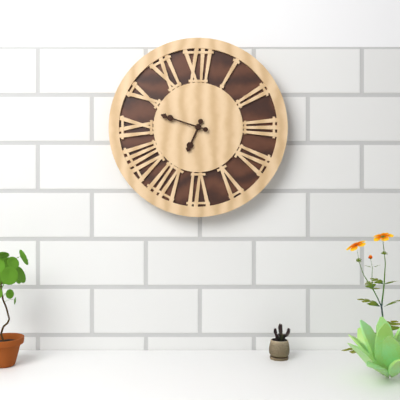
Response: 6:48
